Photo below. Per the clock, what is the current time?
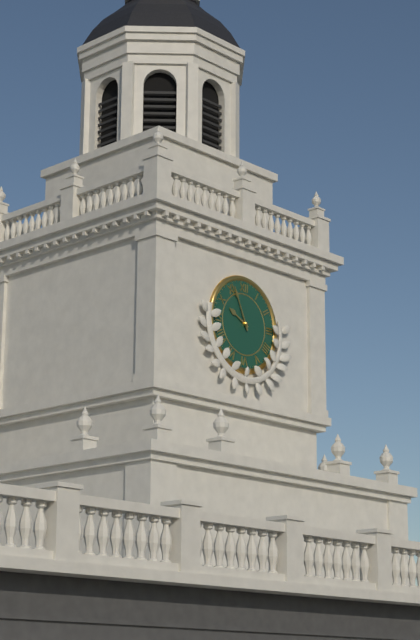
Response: 9:56
